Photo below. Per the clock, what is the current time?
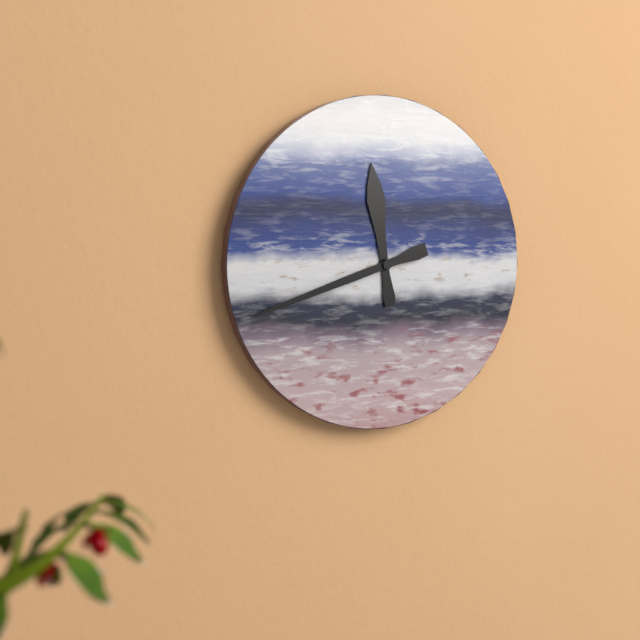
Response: 11:42
